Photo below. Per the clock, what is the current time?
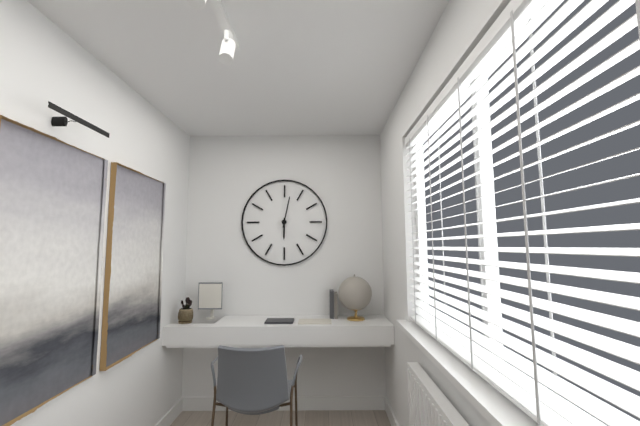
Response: 6:02
